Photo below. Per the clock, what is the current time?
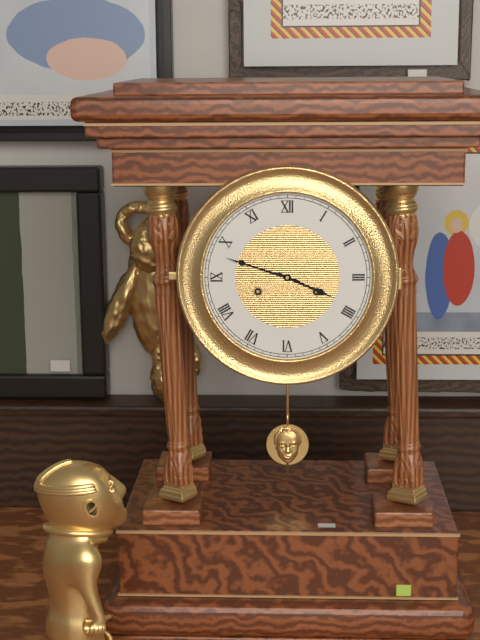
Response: 3:48
